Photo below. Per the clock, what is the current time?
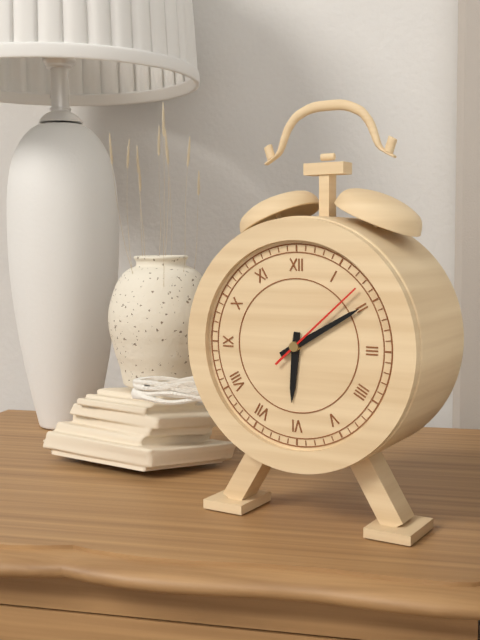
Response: 6:10:08
